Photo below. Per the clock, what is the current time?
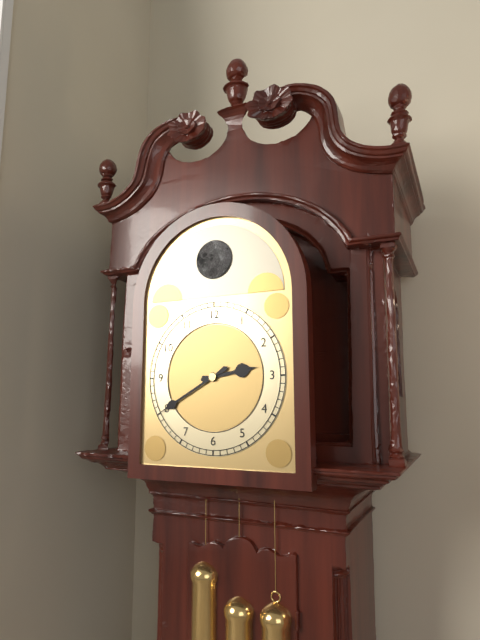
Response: 2:40
